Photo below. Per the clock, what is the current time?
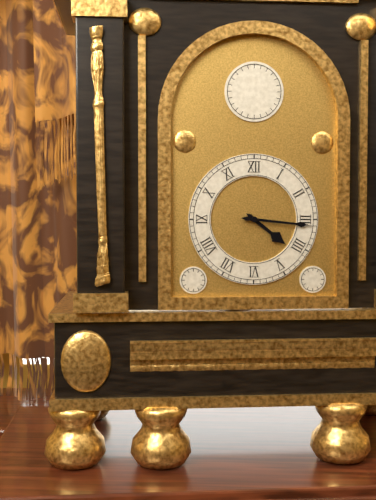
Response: 4:16
